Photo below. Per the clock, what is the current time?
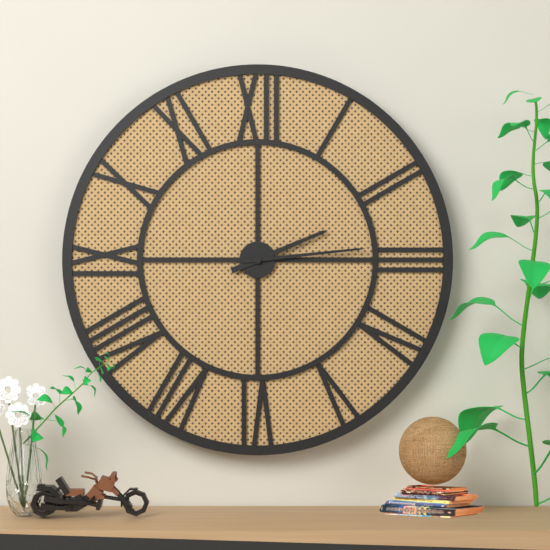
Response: 2:14
